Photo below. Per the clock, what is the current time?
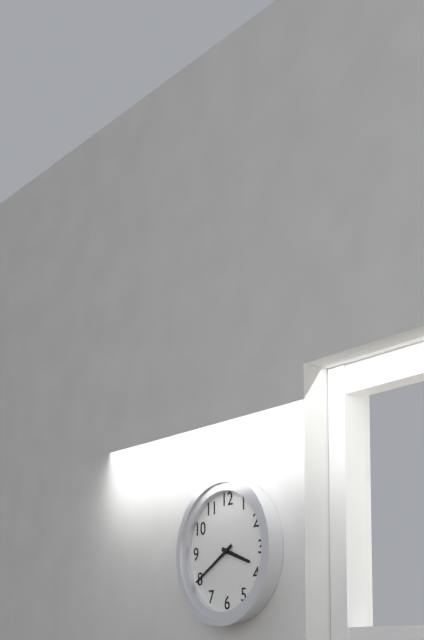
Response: 3:40
